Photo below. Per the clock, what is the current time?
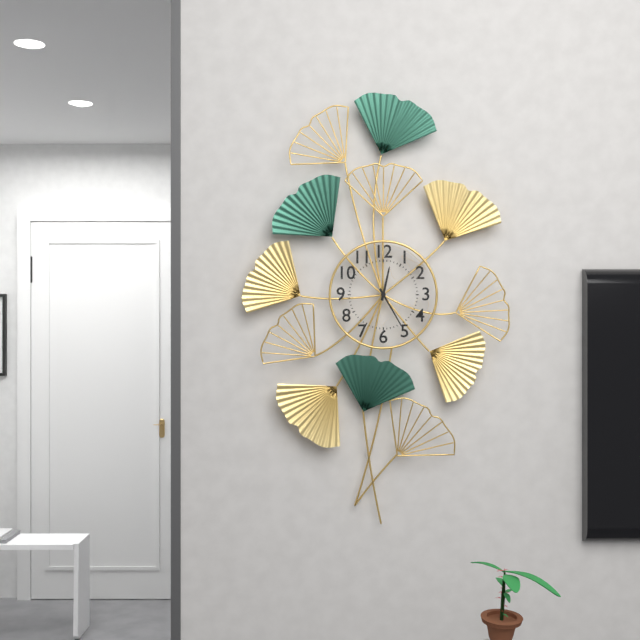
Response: 12:25
